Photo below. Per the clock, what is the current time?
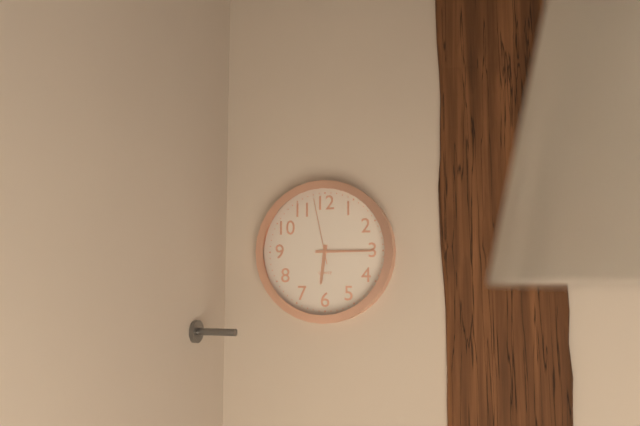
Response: 6:15:58
